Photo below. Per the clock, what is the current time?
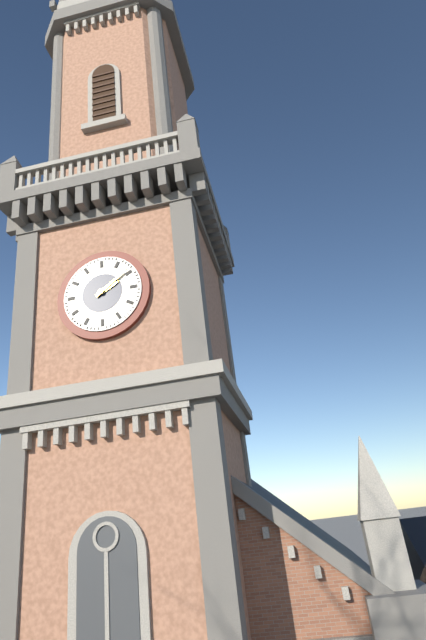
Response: 2:09
